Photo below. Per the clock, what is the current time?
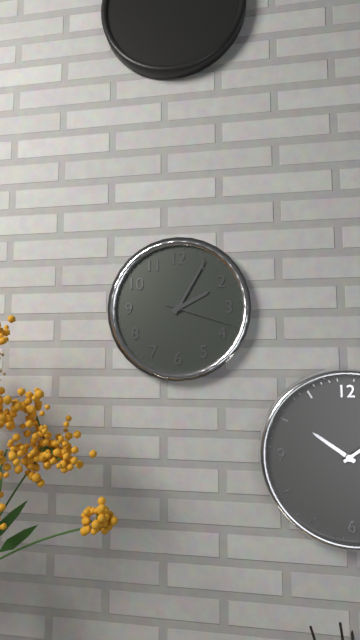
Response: 2:05:18
